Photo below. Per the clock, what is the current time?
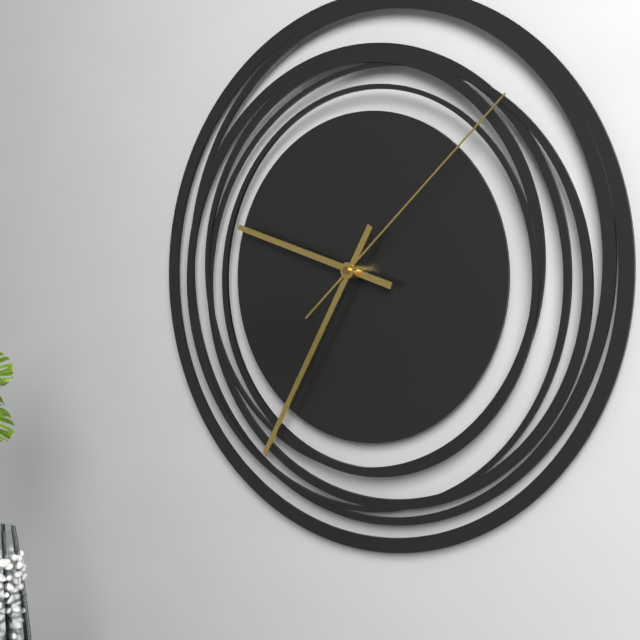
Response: 9:35:08
